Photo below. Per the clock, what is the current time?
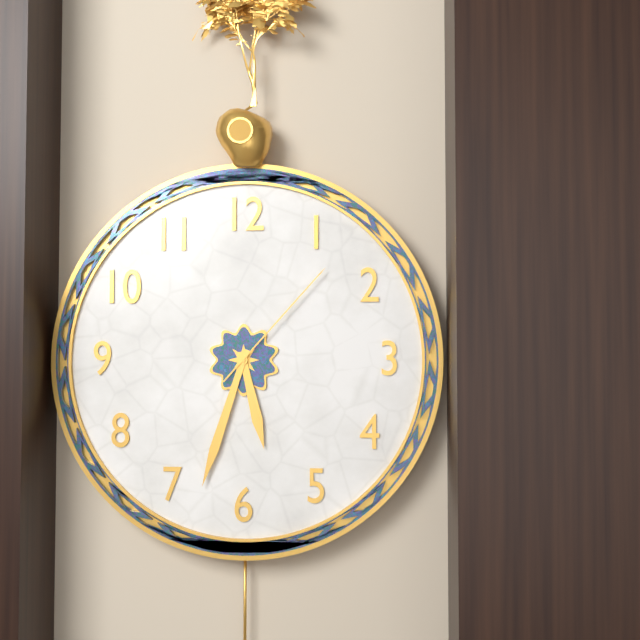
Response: 5:33:07
